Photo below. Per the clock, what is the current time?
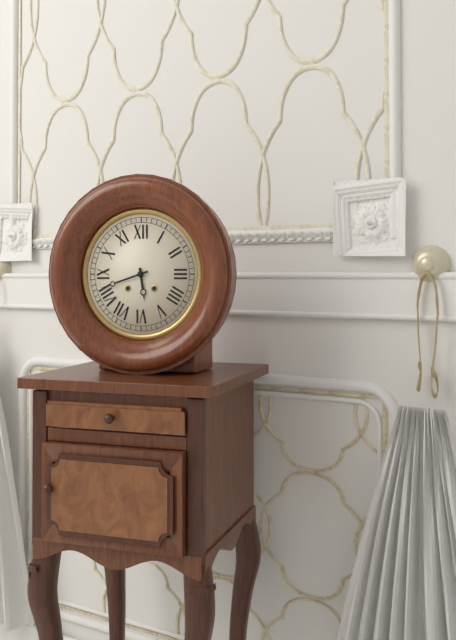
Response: 5:42
